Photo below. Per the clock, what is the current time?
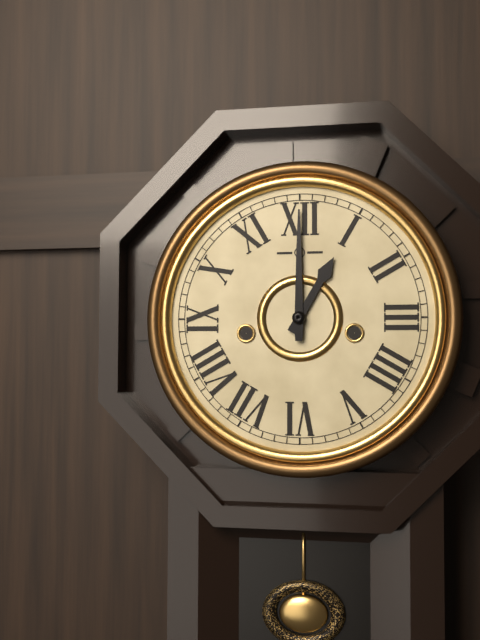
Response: 1:00
